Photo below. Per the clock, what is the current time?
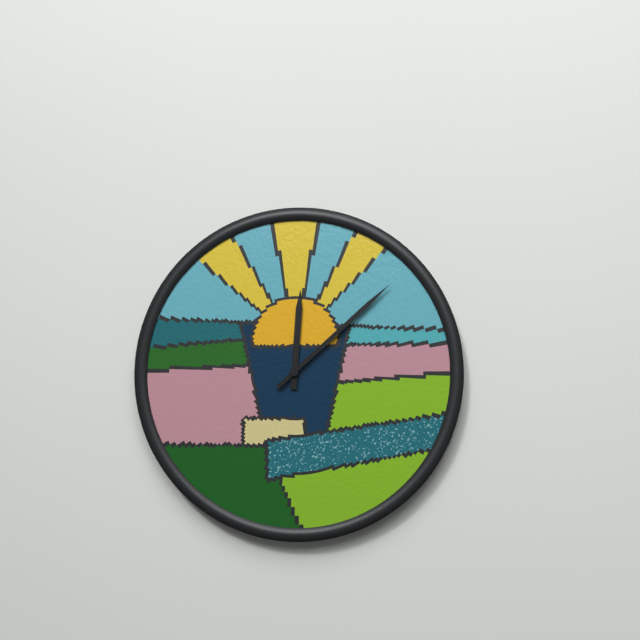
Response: 12:08
